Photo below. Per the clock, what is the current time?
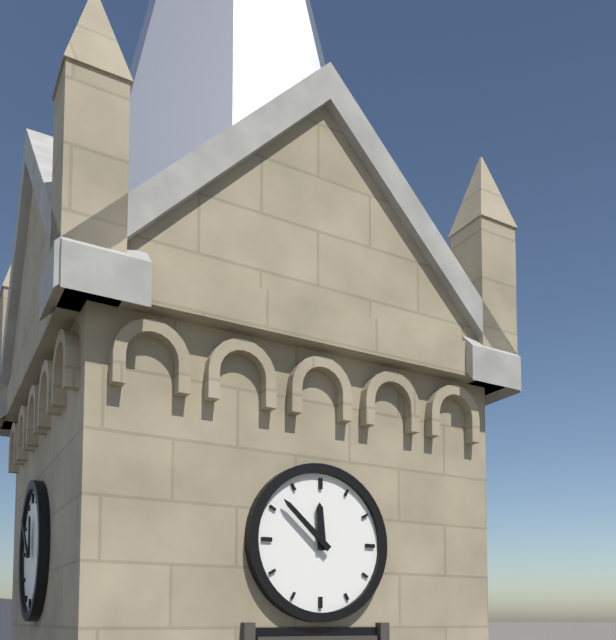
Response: 11:52
